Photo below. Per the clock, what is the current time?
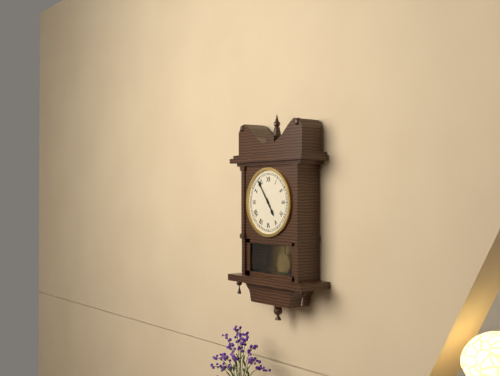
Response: 4:54
